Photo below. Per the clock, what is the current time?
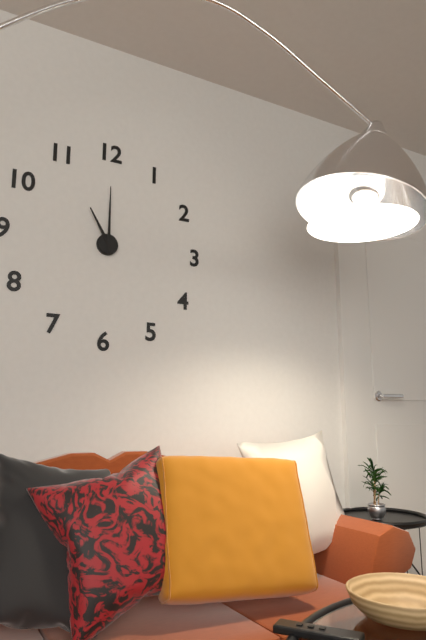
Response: 11:00
